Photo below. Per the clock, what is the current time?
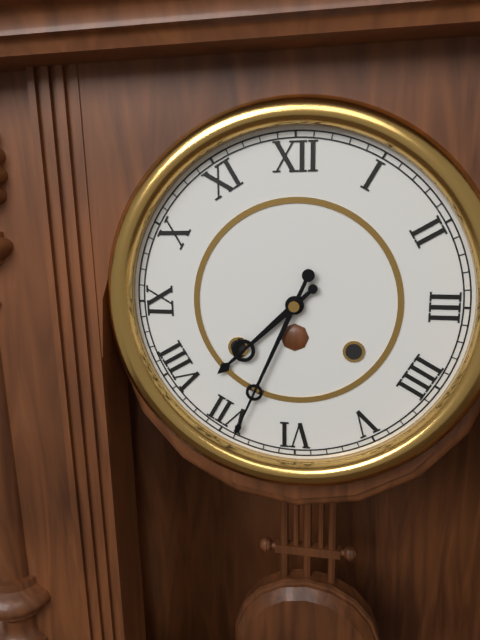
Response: 7:34
